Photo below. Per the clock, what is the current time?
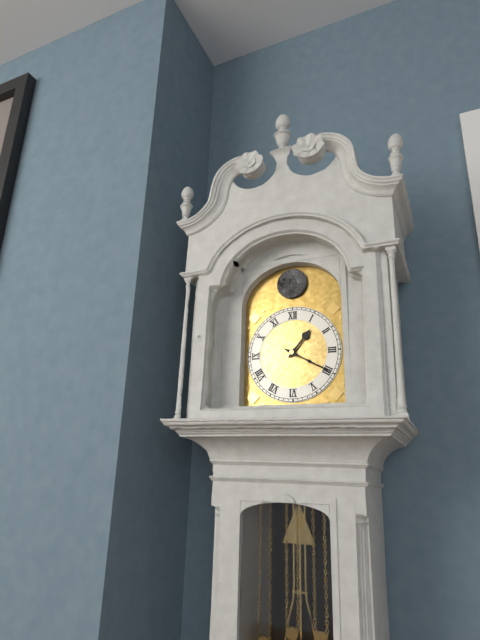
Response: 1:20
